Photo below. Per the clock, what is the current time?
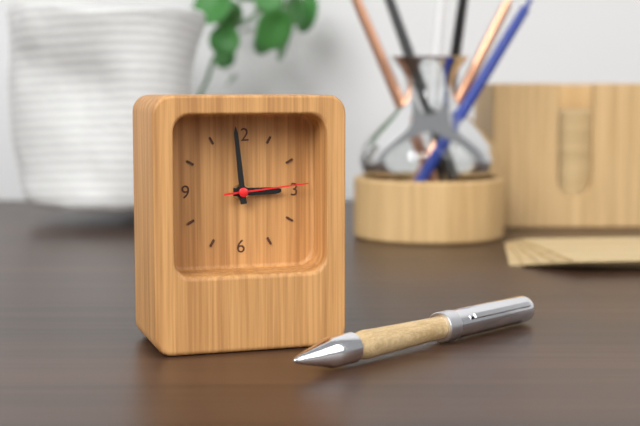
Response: 2:59:14
